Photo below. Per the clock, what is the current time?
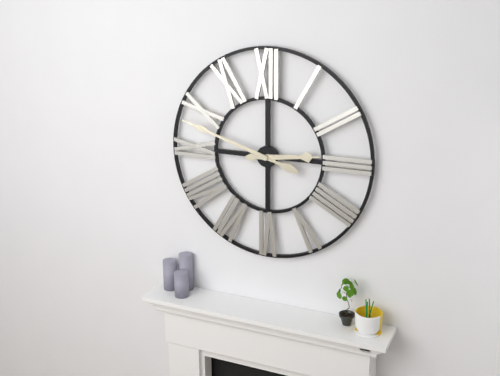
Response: 2:48
